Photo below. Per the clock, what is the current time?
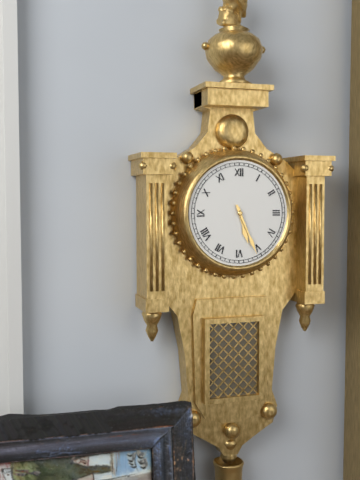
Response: 5:26
